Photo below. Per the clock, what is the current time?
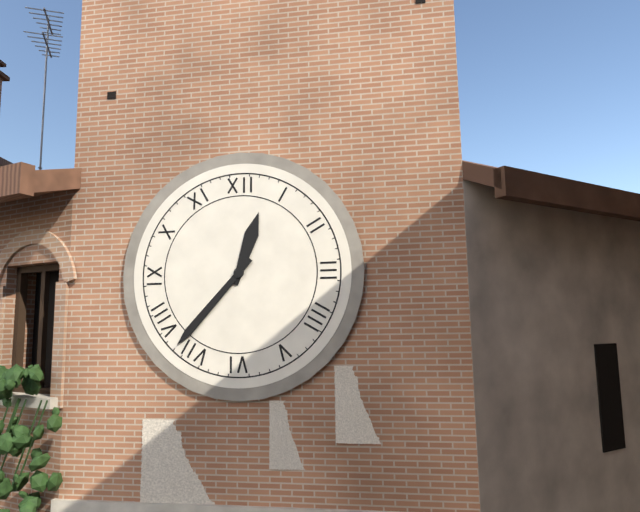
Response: 12:37
